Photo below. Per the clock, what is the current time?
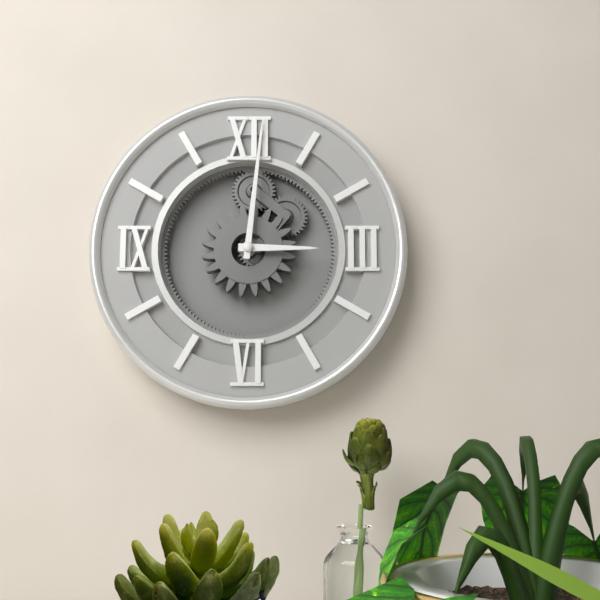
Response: 3:01
